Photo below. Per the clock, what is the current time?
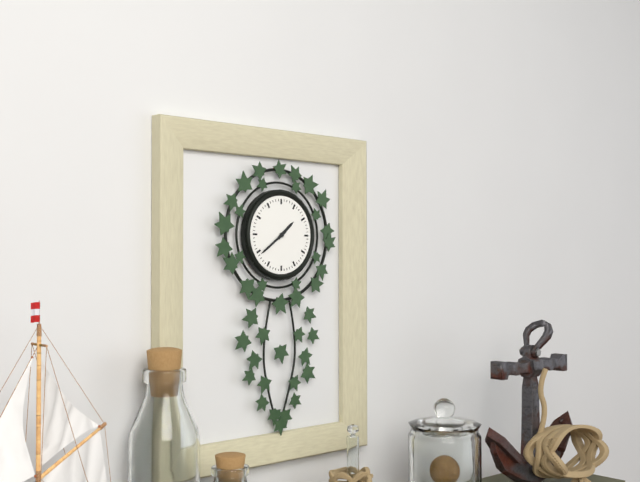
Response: 1:39
